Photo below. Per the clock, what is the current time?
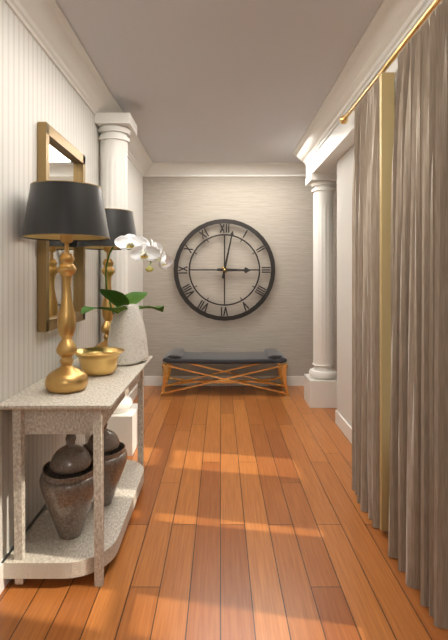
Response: 3:02
